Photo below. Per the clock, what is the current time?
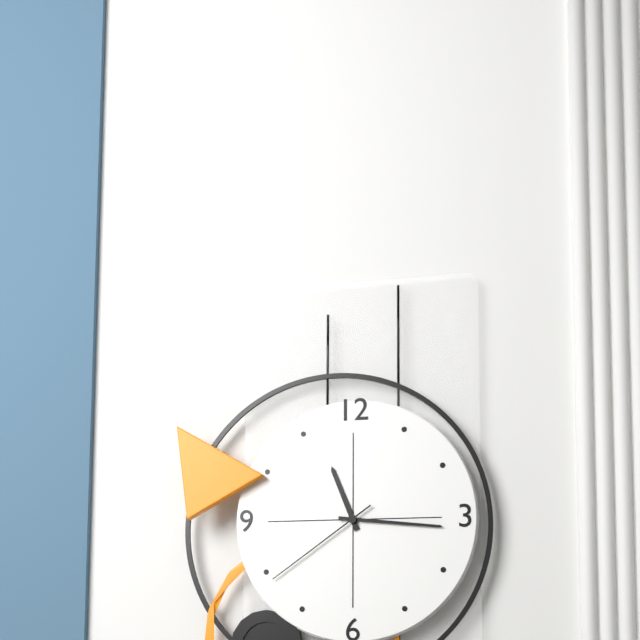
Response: 11:16:39
